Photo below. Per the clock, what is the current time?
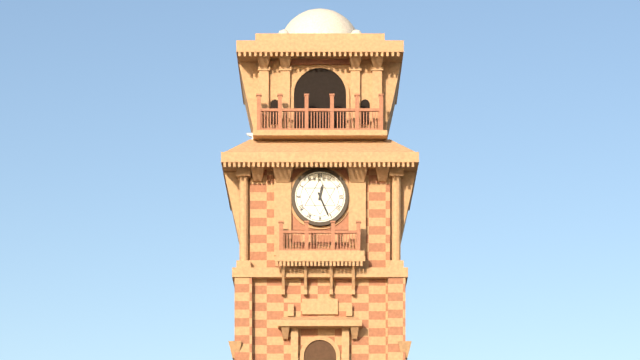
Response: 12:26
